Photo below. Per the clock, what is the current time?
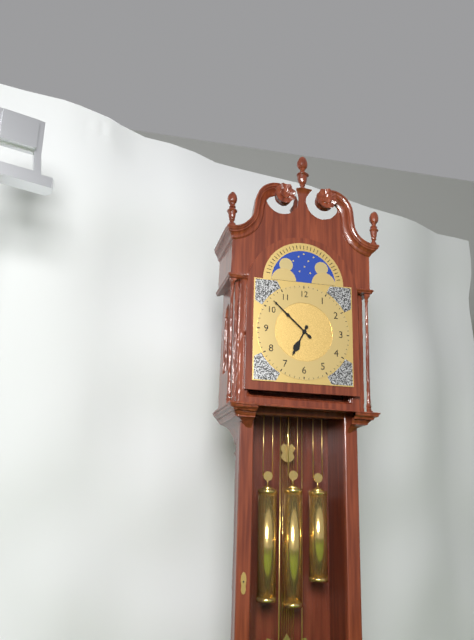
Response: 6:52
